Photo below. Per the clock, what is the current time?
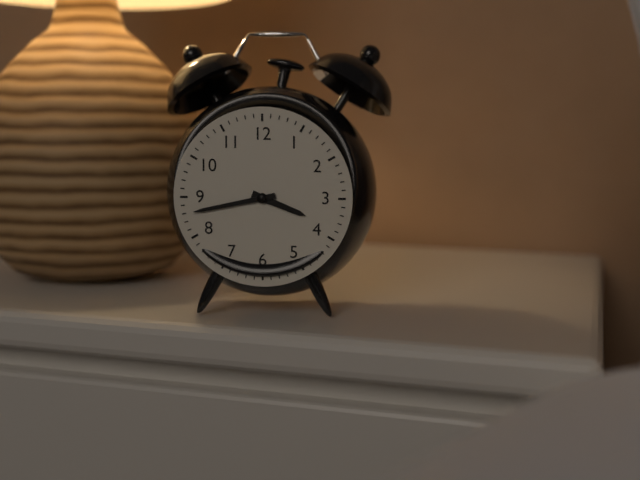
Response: 3:43
